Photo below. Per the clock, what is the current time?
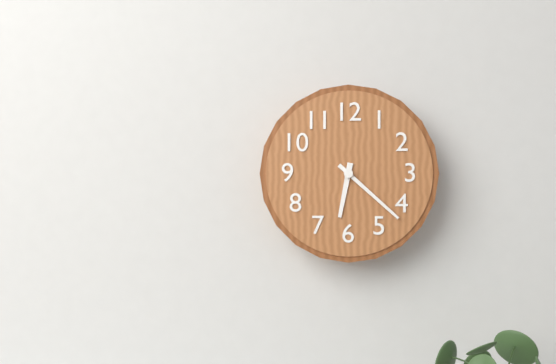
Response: 6:22
